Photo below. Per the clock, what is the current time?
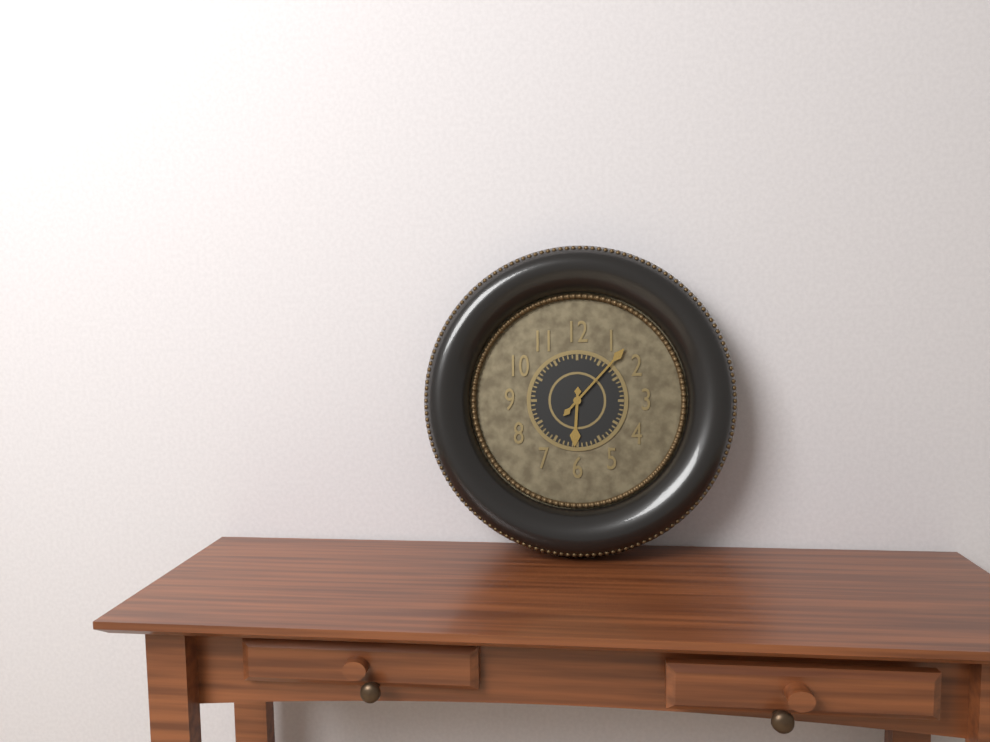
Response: 6:07
